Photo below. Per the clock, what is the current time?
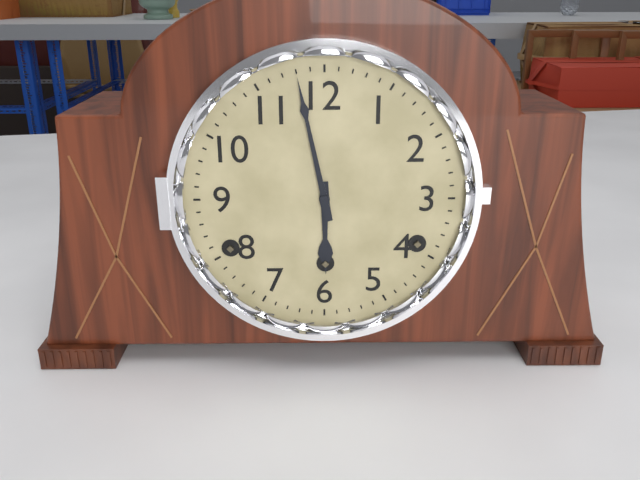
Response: 5:58
